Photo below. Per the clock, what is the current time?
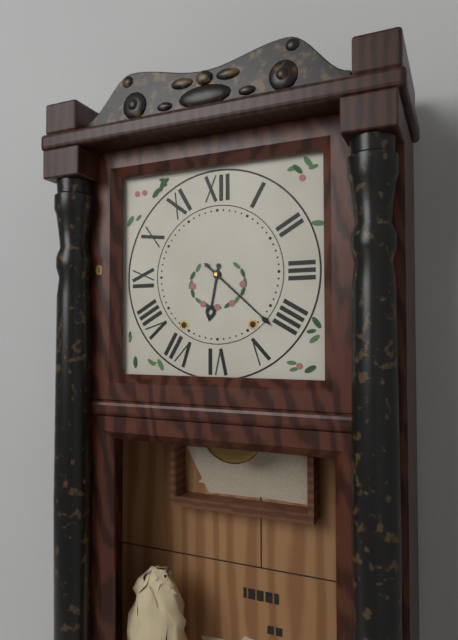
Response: 6:22
